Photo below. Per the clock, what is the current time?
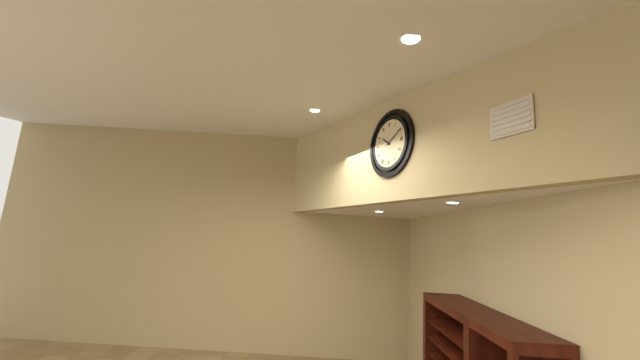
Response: 10:10
